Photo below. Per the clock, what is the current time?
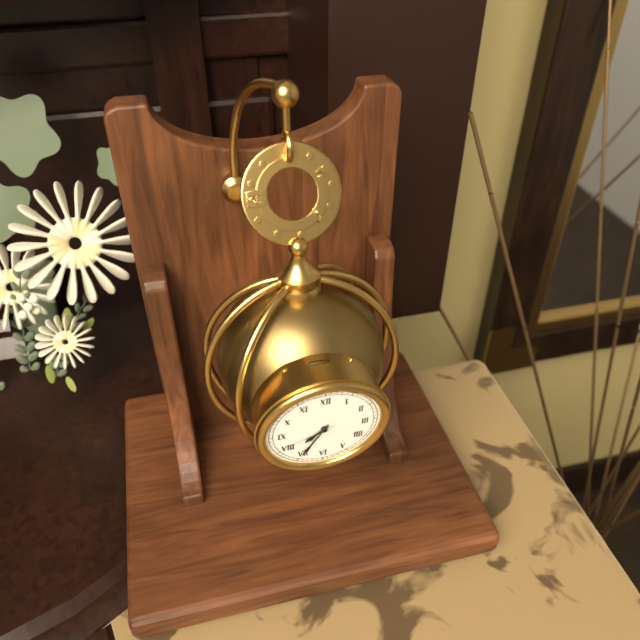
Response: 7:35:41
